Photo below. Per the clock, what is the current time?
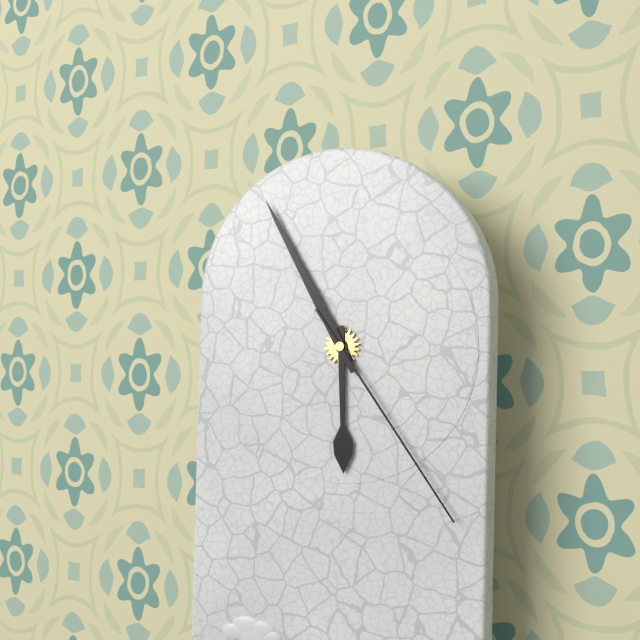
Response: 5:55:24
